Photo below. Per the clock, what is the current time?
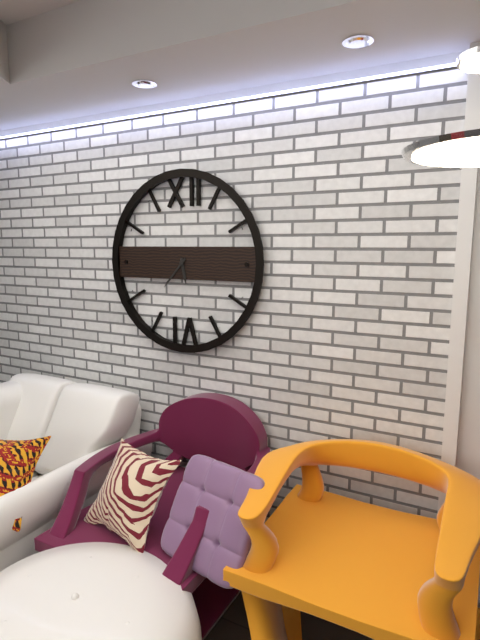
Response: 5:37
